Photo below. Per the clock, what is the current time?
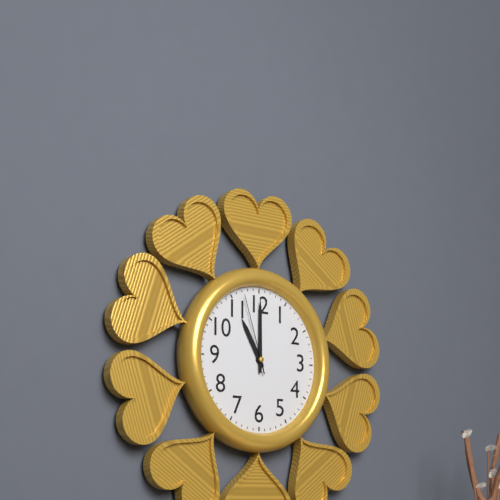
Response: 11:00:57
